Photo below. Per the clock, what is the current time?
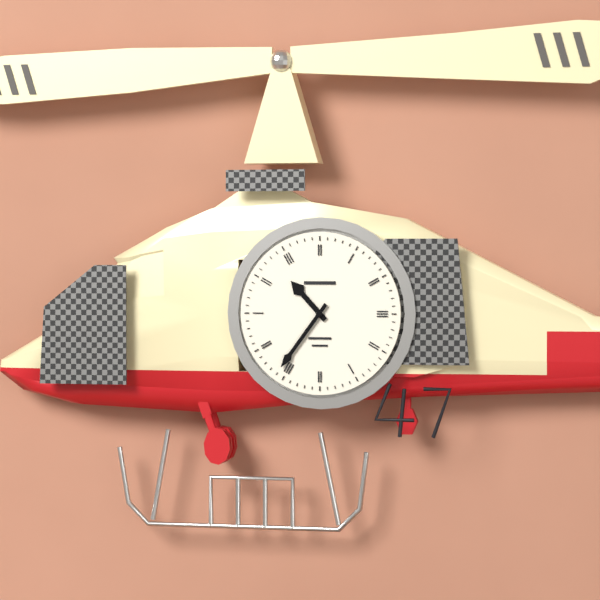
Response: 10:36
